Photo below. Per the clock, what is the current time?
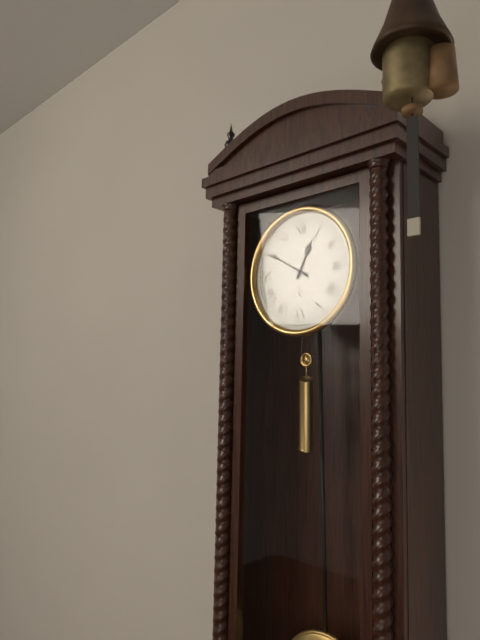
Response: 12:50
